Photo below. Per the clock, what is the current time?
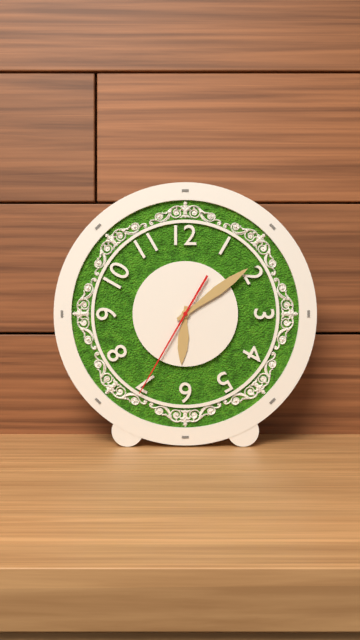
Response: 6:09:35
